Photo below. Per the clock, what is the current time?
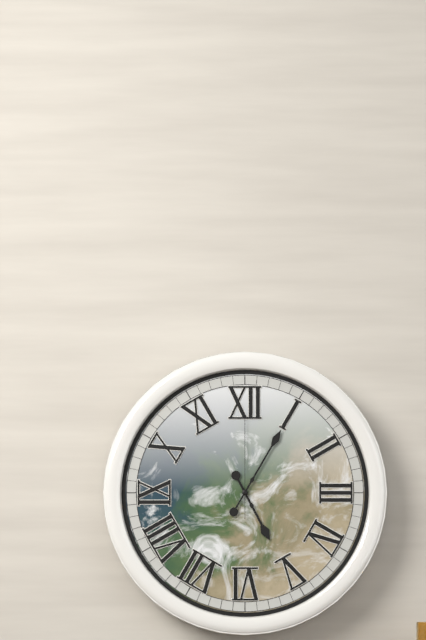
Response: 5:05:00
